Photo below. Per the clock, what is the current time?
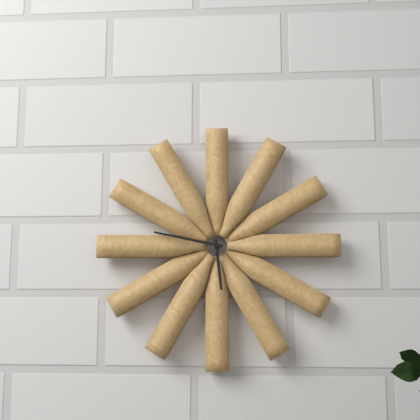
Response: 5:47
